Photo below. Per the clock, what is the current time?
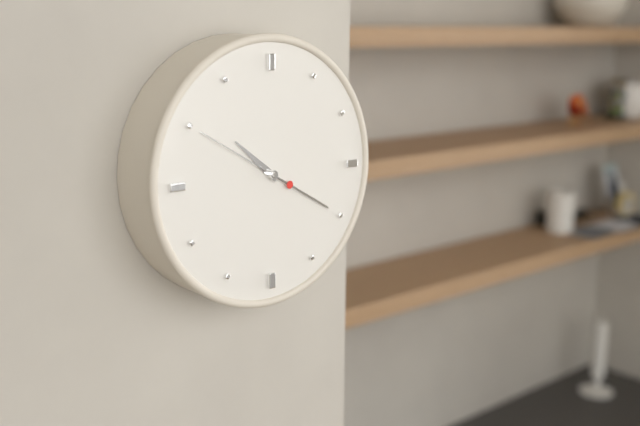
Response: 10:20:50
